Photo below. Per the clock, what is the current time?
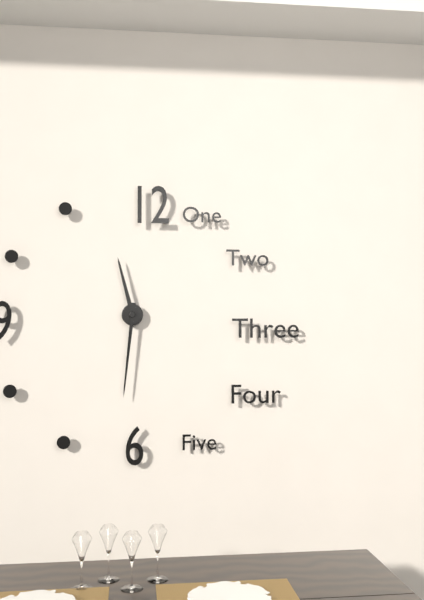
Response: 11:31
